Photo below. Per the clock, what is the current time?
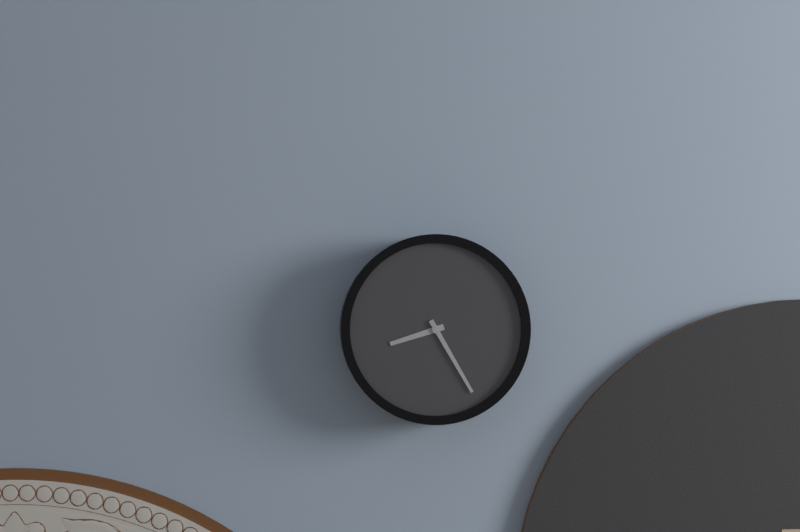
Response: 8:25
